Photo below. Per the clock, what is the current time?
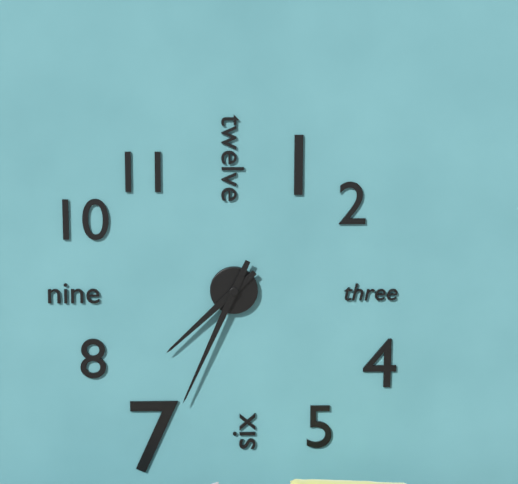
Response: 7:34
